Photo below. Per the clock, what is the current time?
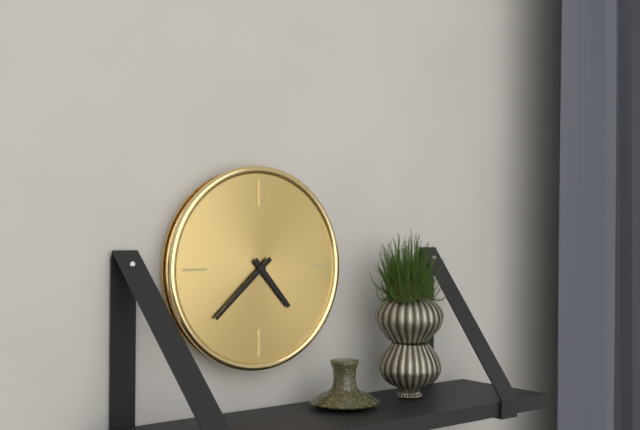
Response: 4:38
